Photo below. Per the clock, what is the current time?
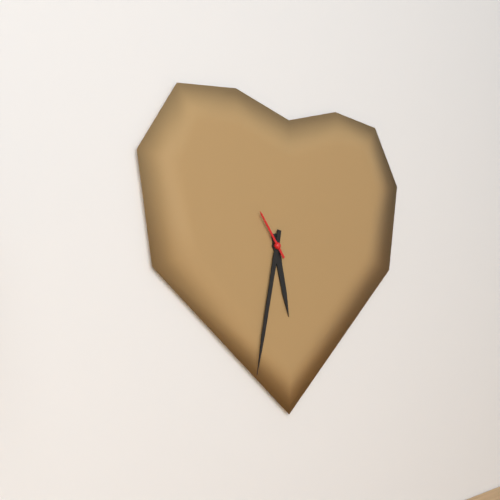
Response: 5:32
